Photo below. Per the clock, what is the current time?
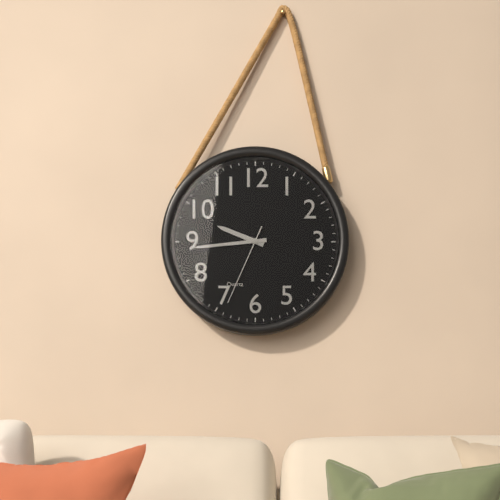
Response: 9:44:34
